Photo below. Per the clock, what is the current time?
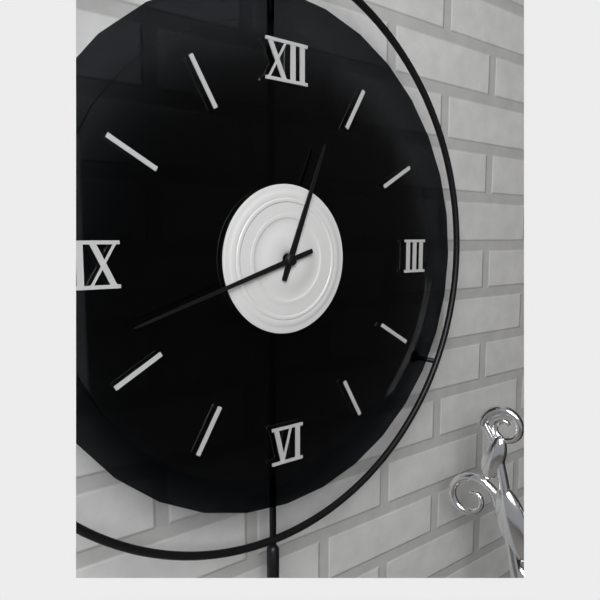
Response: 12:42
